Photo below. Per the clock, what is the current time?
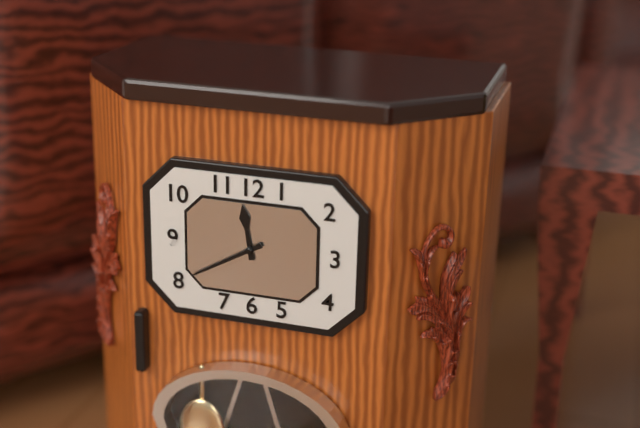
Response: 11:40
